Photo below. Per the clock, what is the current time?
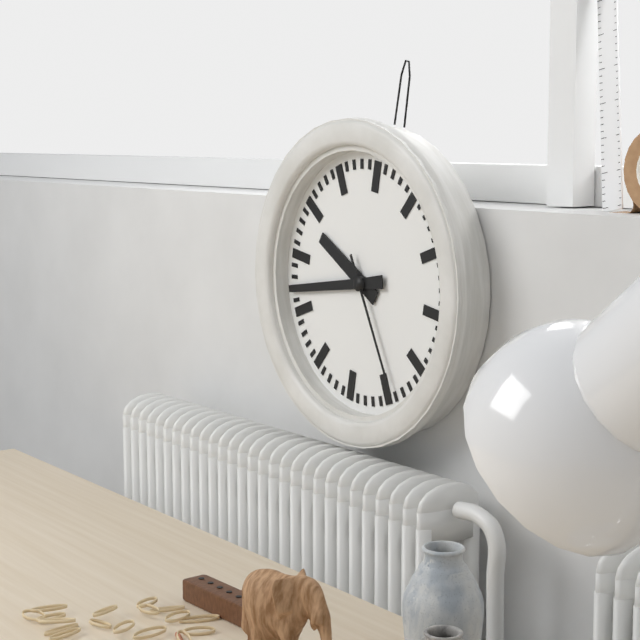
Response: 9:42:24
